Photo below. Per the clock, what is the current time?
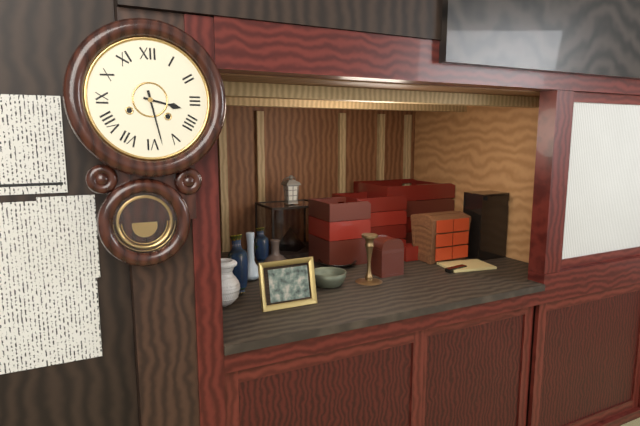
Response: 3:28
